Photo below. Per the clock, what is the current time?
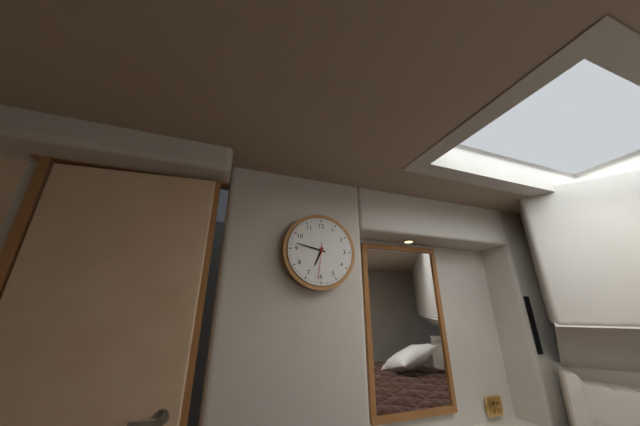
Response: 6:47
